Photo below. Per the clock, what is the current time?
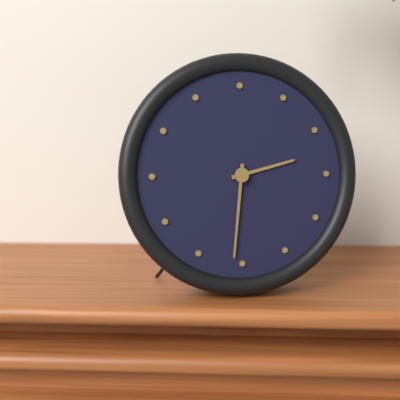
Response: 2:31
